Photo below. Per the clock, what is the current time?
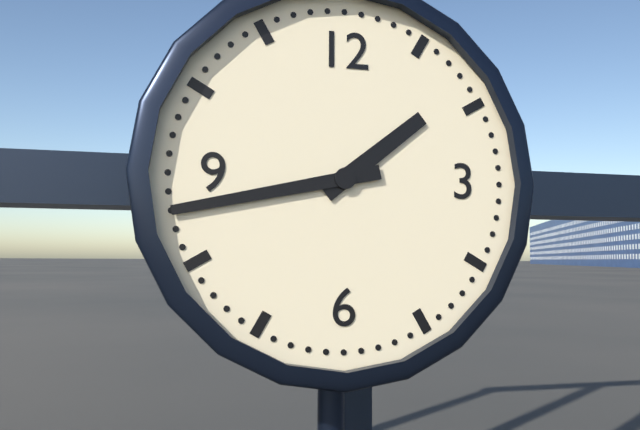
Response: 1:43
